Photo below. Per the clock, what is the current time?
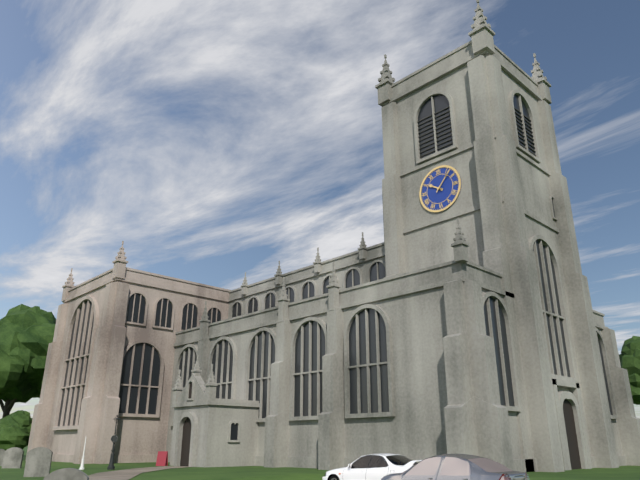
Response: 10:07
